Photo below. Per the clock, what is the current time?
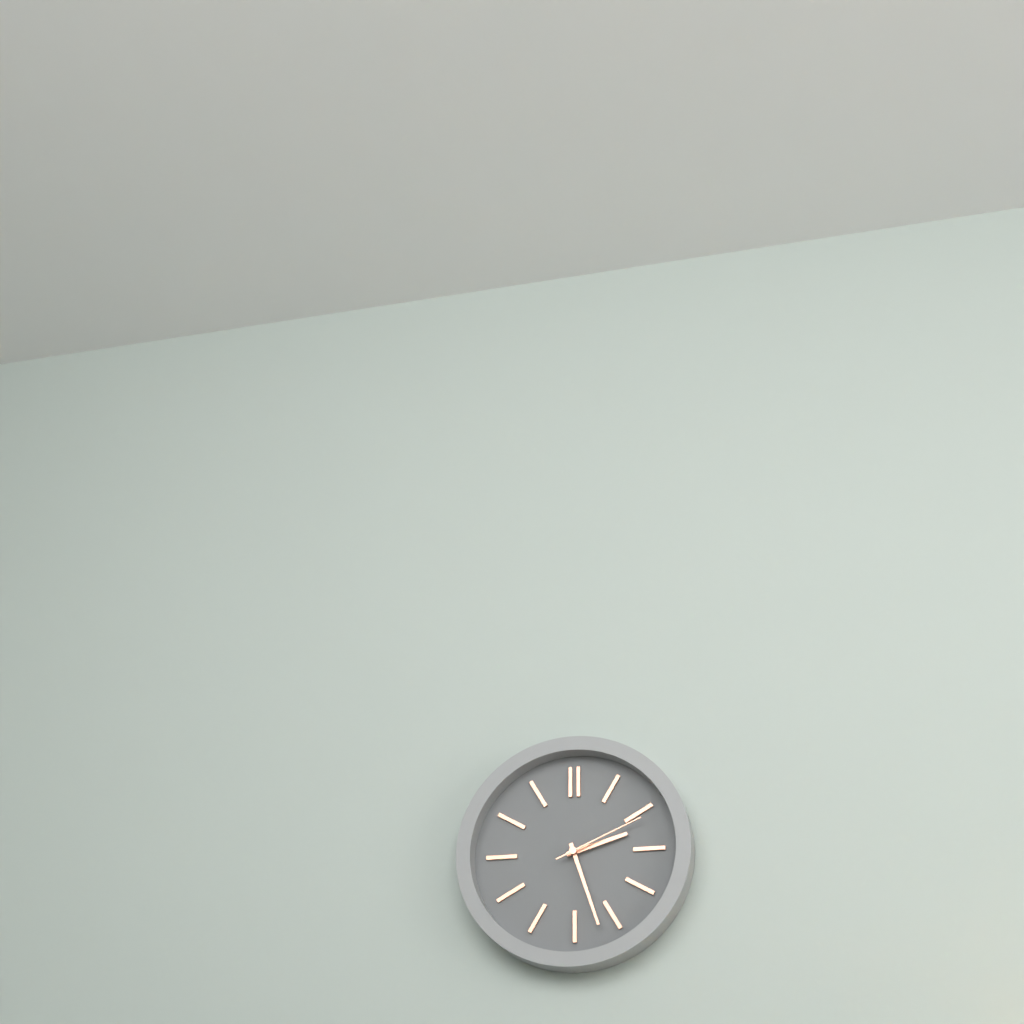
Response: 2:27:11
